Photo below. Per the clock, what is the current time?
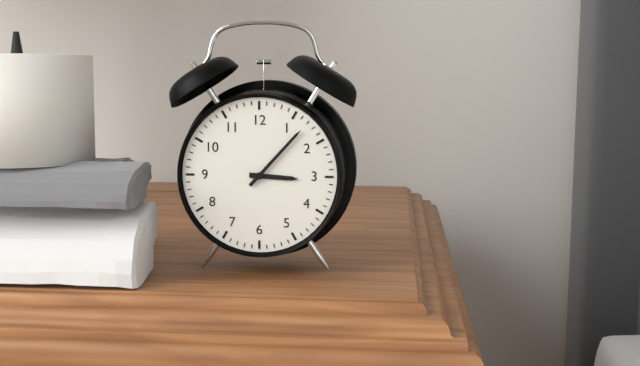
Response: 3:07
